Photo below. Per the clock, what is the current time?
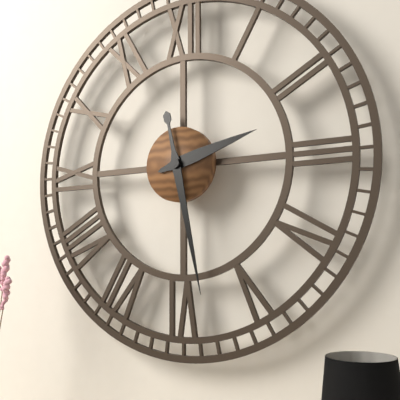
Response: 2:28
